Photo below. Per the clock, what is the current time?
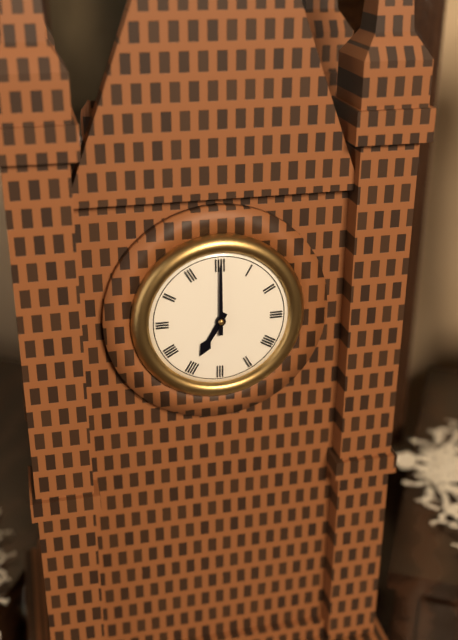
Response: 7:00
